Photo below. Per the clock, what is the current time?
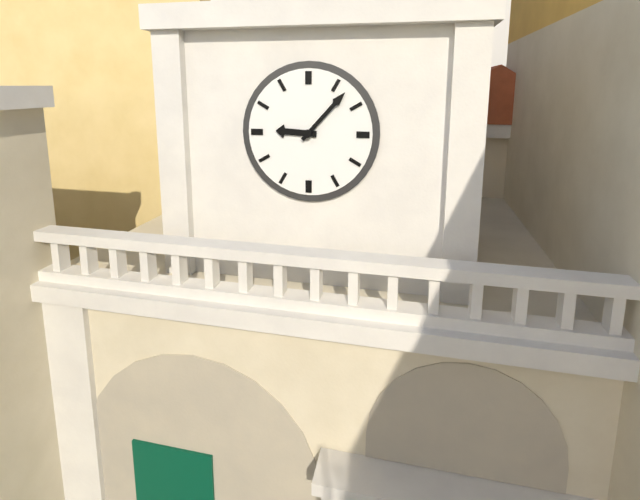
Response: 9:07
